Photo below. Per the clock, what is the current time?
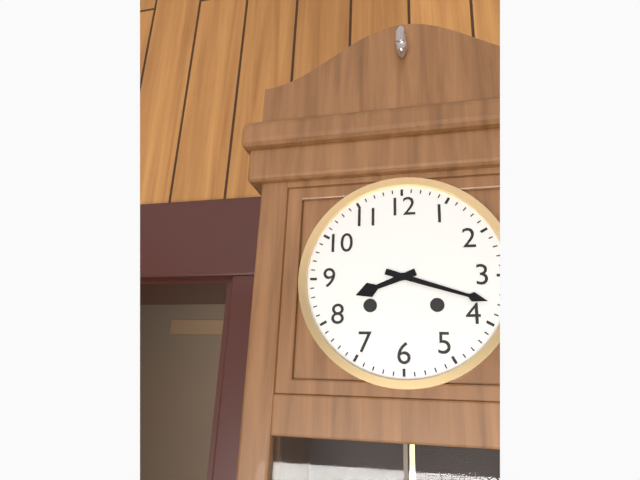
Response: 8:18
